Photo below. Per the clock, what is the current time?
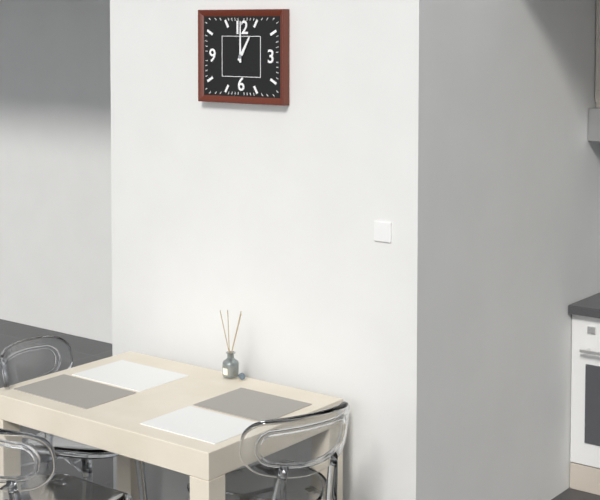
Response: 1:00
